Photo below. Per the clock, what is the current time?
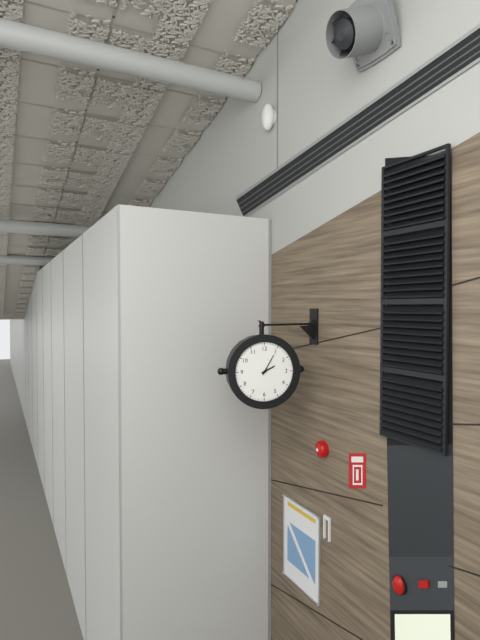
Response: 2:05
